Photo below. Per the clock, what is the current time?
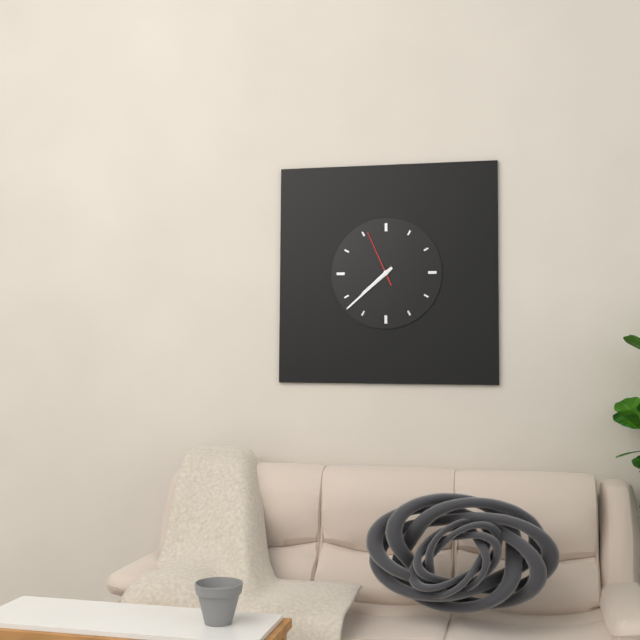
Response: 7:38:56
